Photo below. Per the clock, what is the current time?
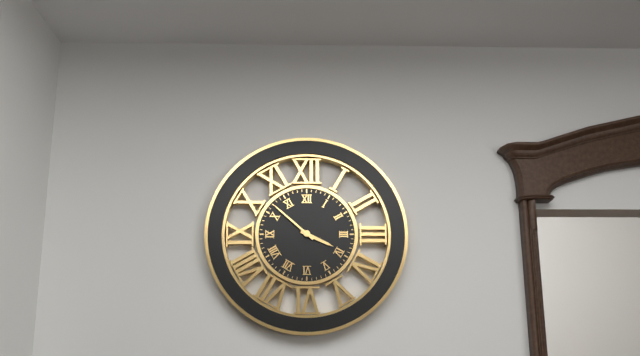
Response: 3:52
